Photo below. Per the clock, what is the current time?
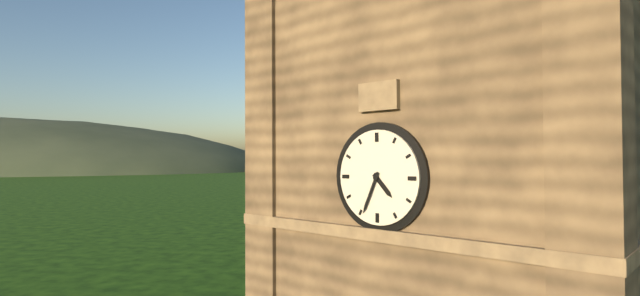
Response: 4:34
